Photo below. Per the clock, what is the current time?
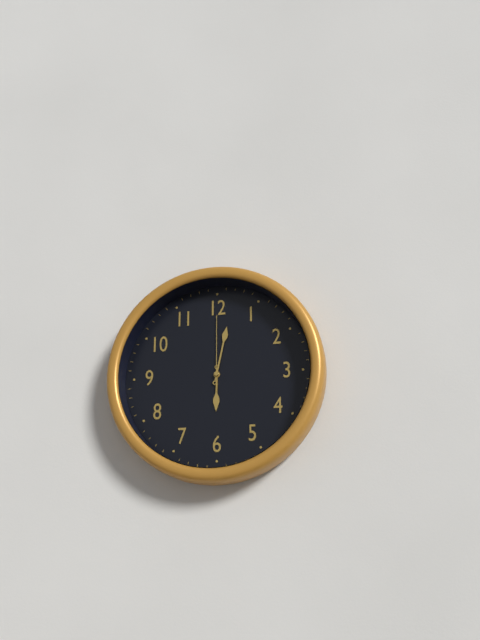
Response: 6:02:00
